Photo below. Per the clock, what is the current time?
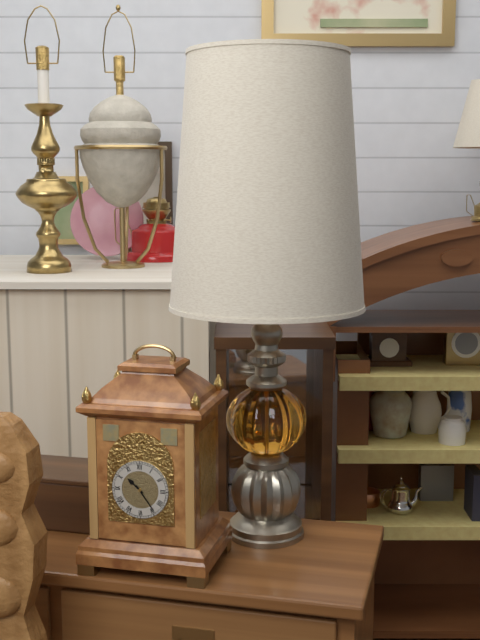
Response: 10:24
